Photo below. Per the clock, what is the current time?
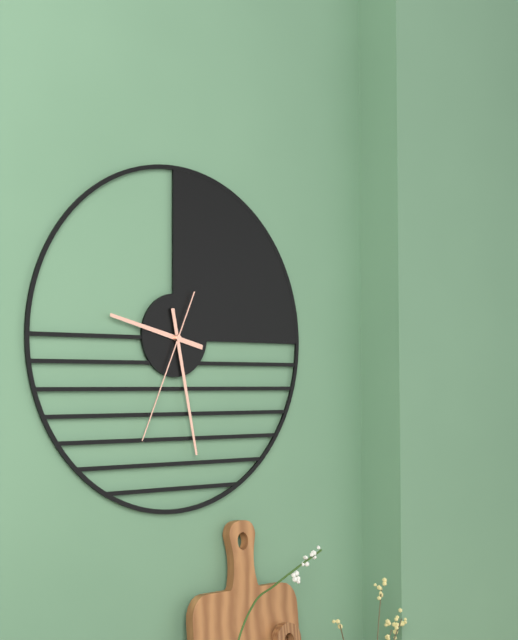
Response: 9:28:34
